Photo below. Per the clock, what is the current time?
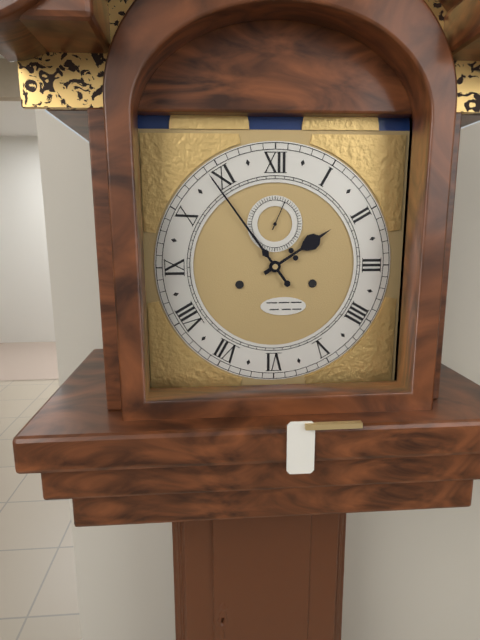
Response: 1:54
